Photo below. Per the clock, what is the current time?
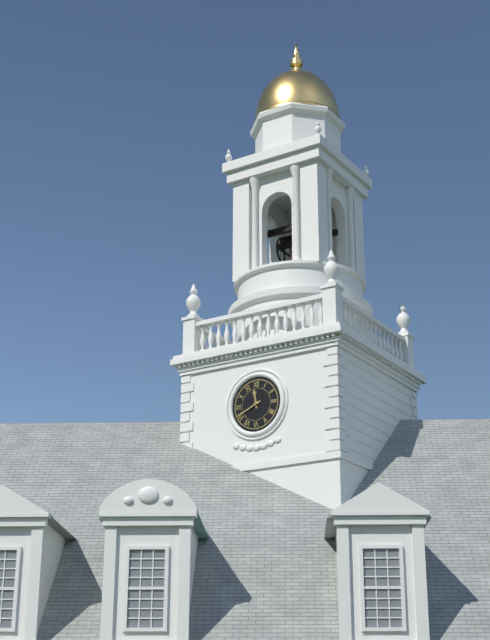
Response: 11:41
